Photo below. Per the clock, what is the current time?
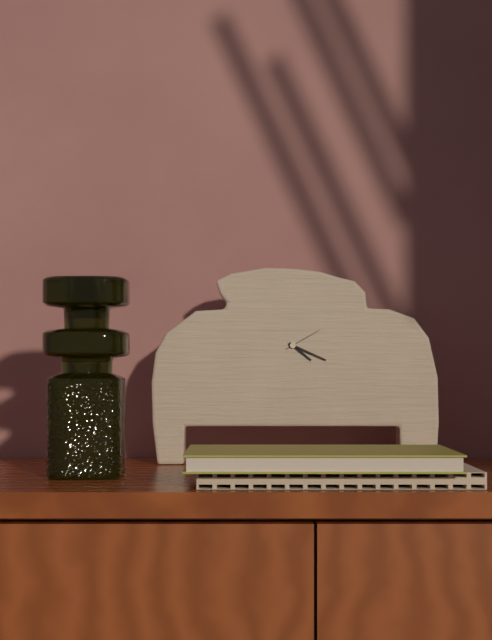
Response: 4:19
